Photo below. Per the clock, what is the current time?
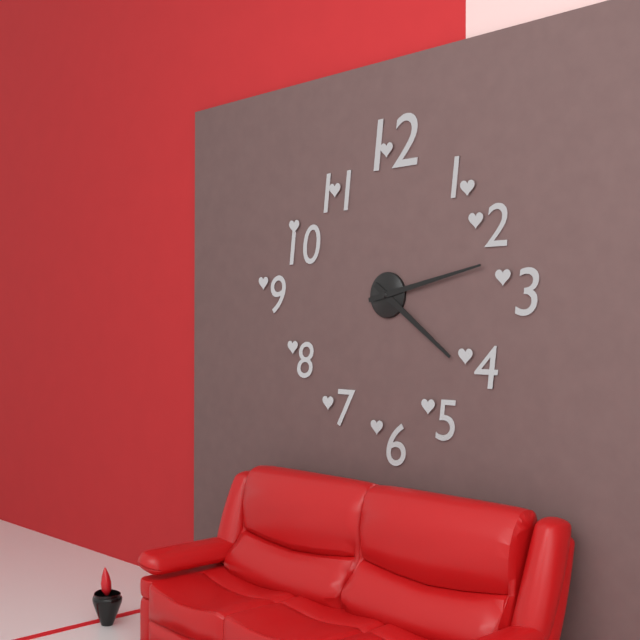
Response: 4:13
